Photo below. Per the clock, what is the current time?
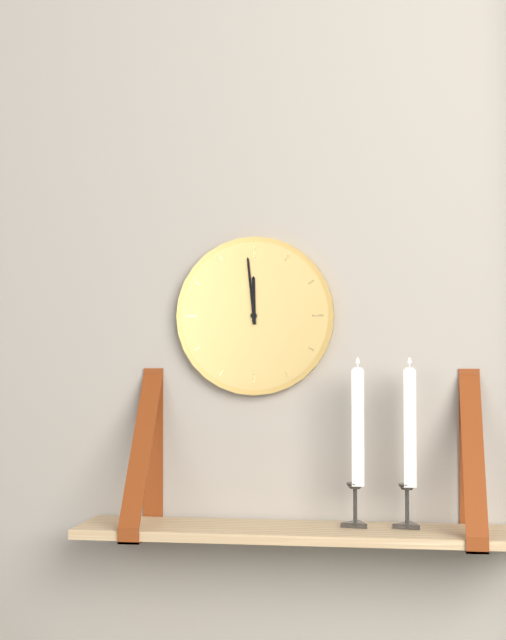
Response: 11:59
